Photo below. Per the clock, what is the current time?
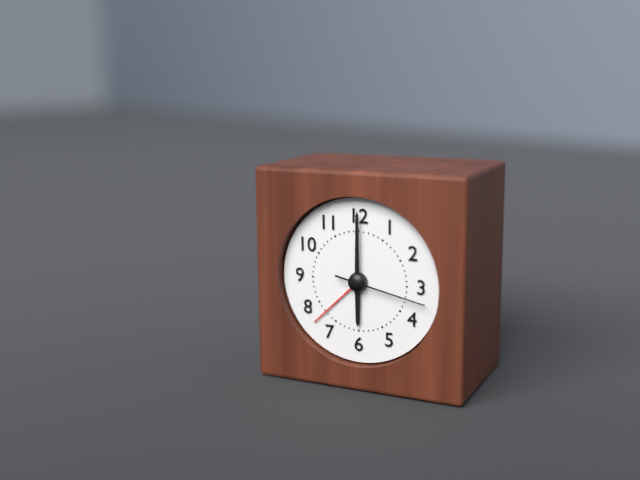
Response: 6:00:17
